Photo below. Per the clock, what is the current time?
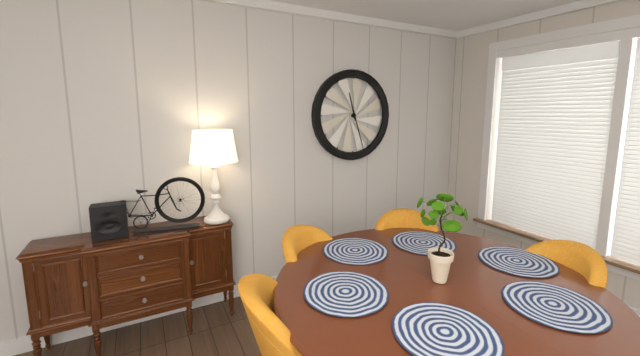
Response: 11:27
